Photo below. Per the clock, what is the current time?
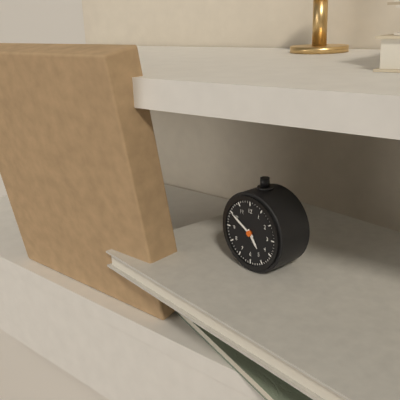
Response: 4:50
